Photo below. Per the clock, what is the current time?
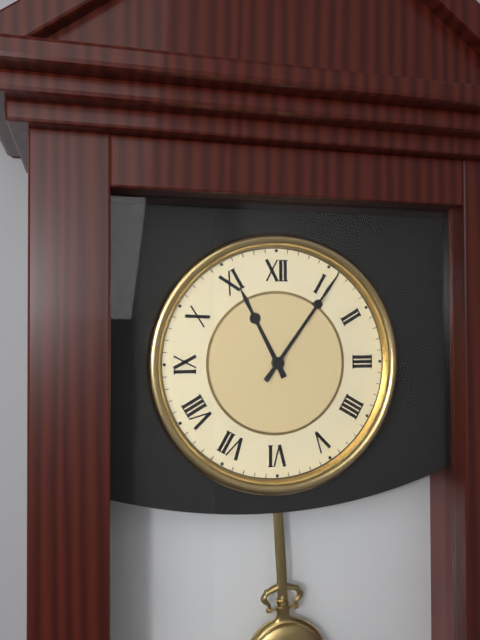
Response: 11:06
